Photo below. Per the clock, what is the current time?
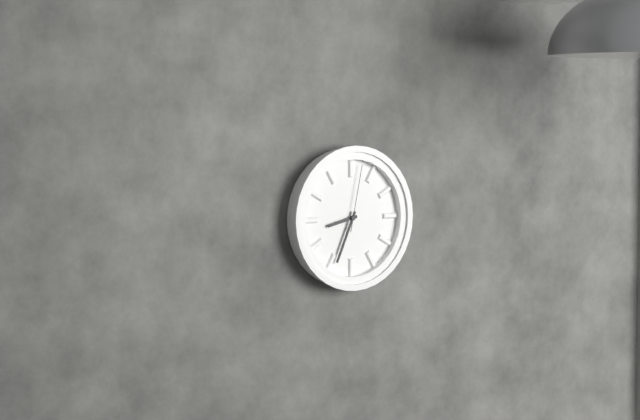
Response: 8:34:02
